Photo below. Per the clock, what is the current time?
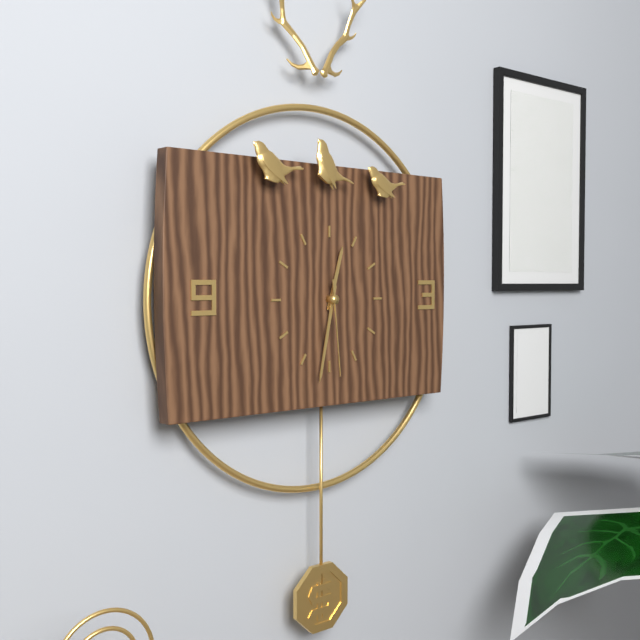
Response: 12:32:29
